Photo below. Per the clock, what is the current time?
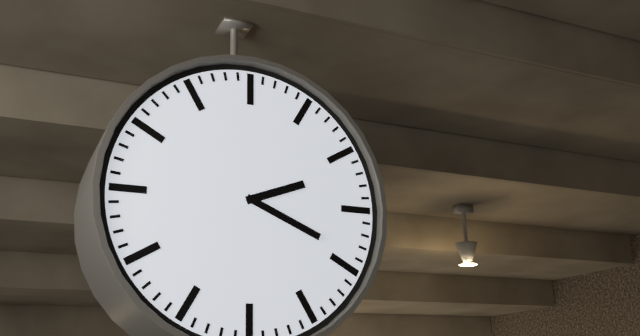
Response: 2:19
